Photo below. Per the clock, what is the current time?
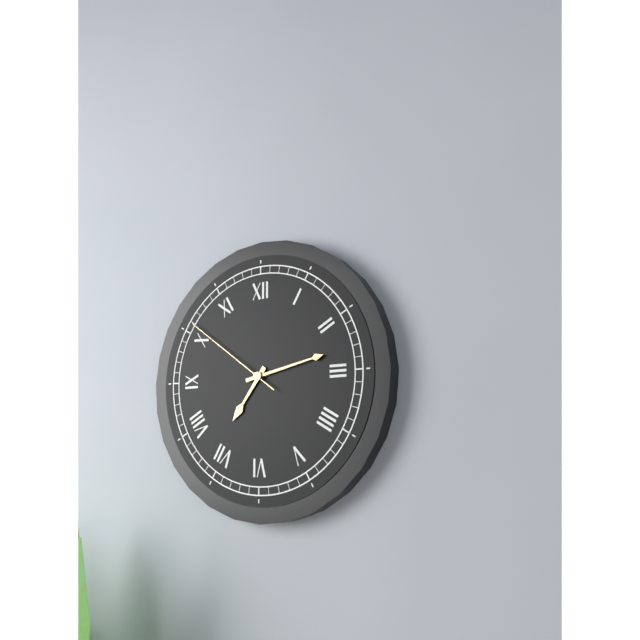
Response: 7:13:51
